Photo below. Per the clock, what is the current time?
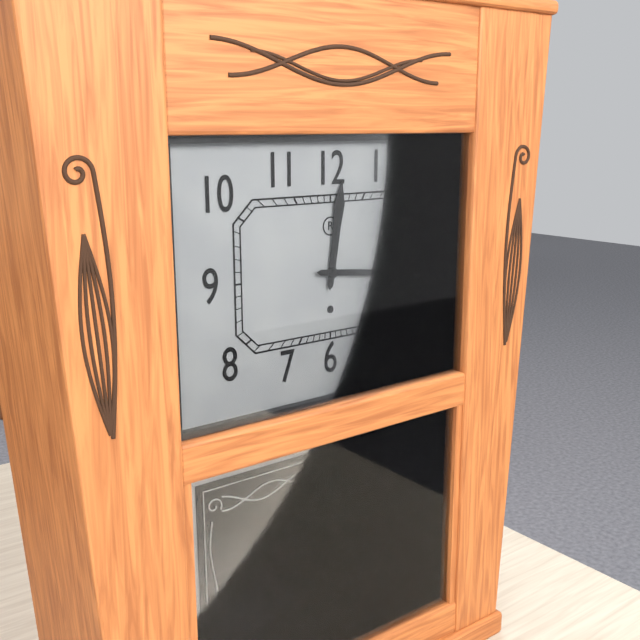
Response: 12:16
